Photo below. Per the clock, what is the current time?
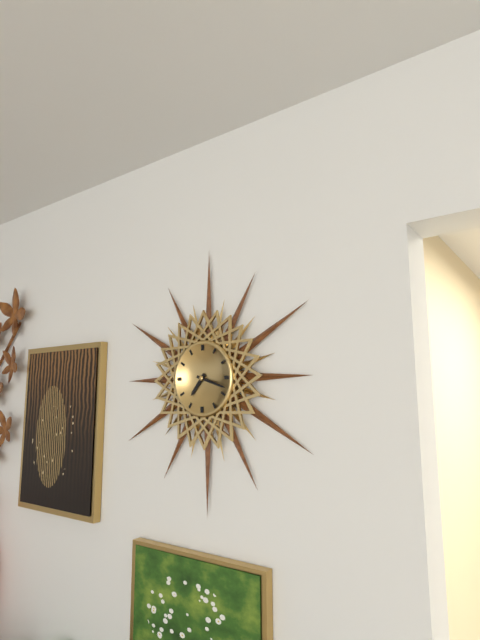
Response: 7:18
